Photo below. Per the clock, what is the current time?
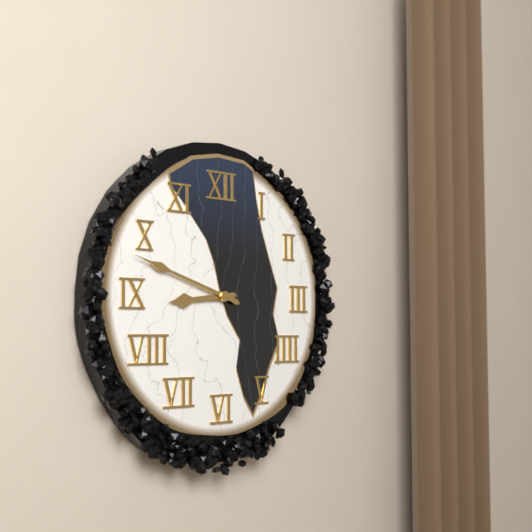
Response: 8:48
